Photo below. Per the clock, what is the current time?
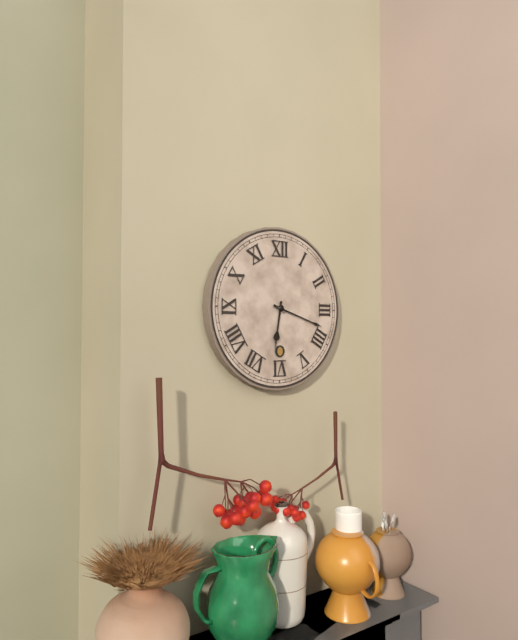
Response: 6:18
